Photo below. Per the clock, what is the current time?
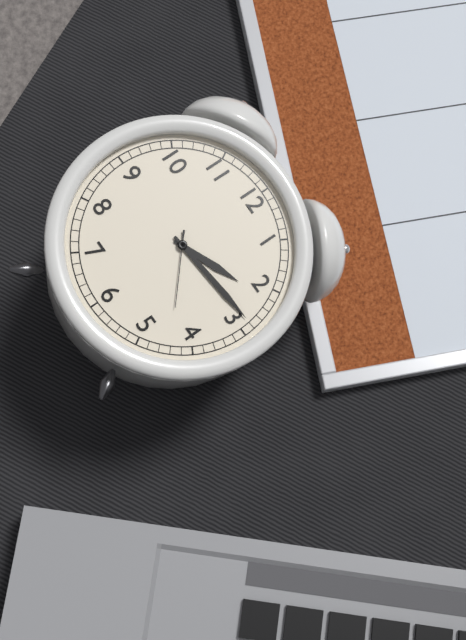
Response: 2:14:22
